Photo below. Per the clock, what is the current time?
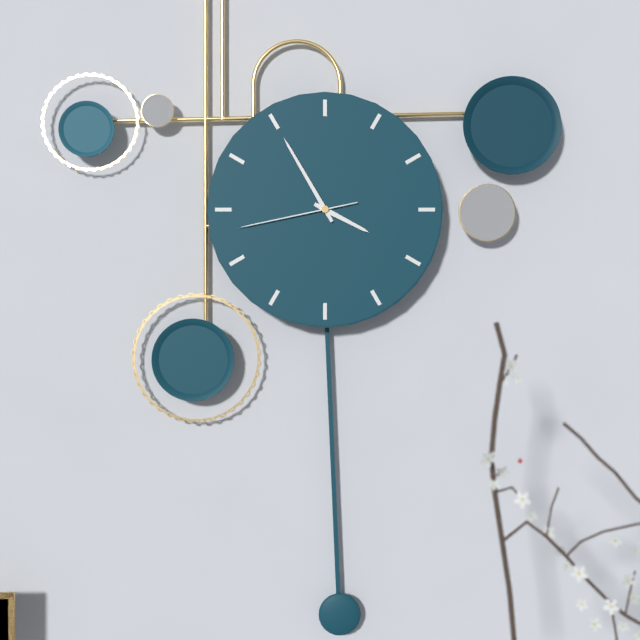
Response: 3:55:43
